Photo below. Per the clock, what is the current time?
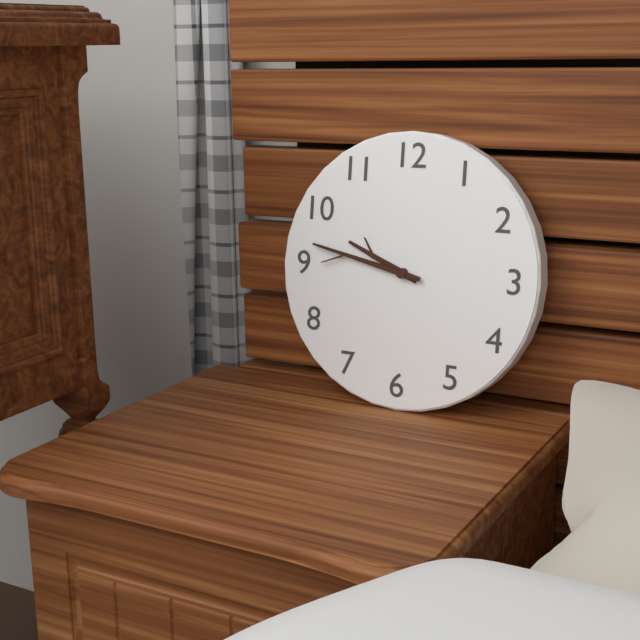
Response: 9:47
